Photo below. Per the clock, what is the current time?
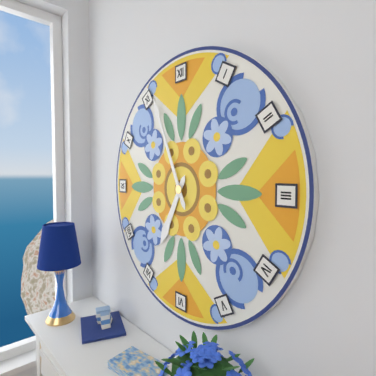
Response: 6:56
